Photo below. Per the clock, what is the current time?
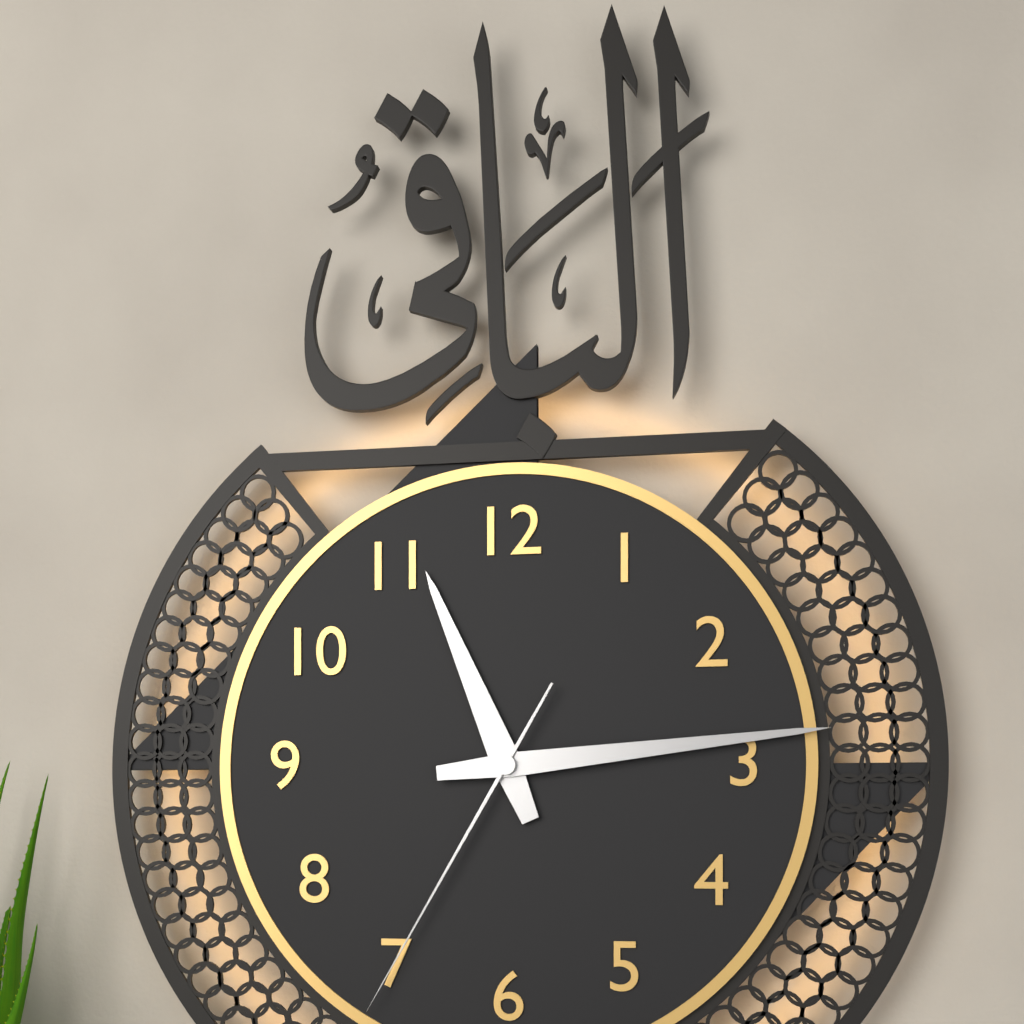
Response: 11:14:35
